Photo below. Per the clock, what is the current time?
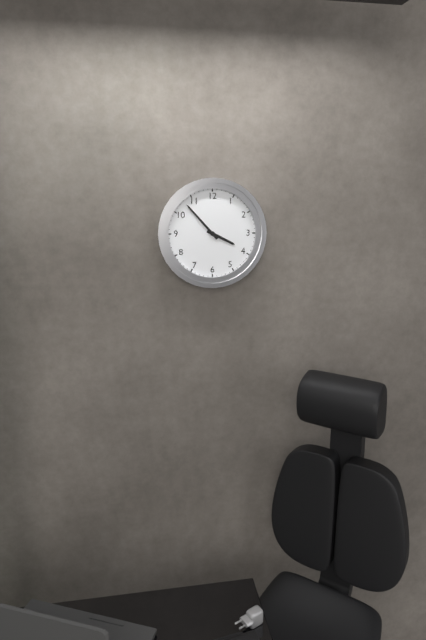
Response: 3:53
